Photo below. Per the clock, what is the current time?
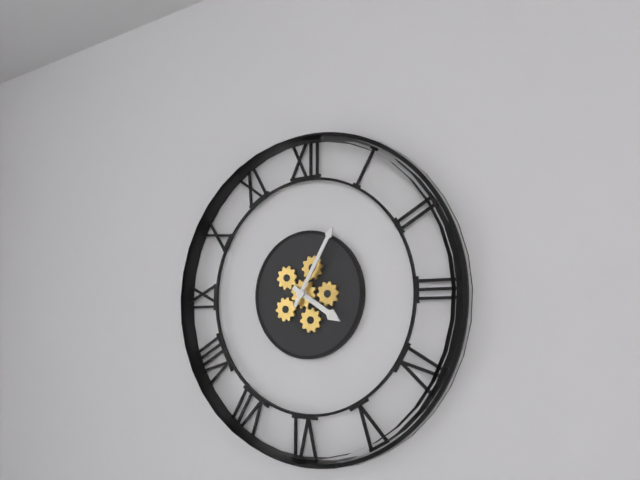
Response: 4:05
